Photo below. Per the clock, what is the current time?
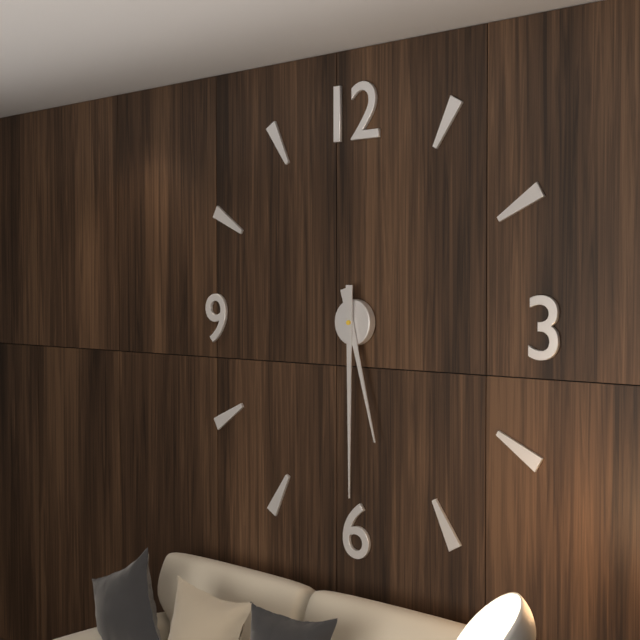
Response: 5:30
